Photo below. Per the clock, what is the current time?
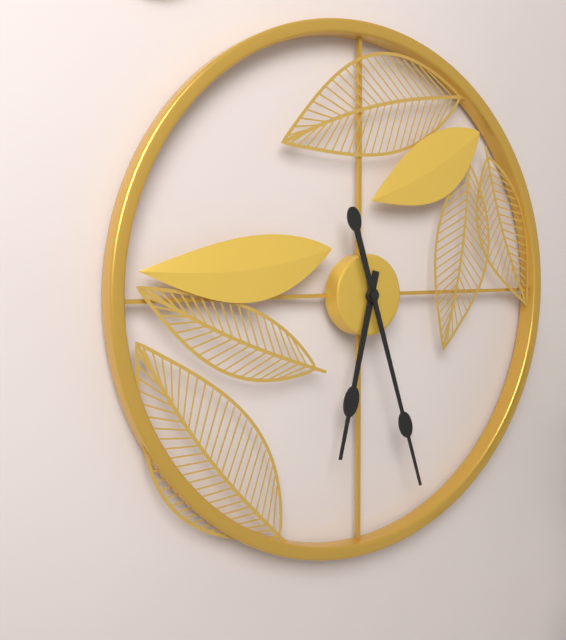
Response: 6:27
